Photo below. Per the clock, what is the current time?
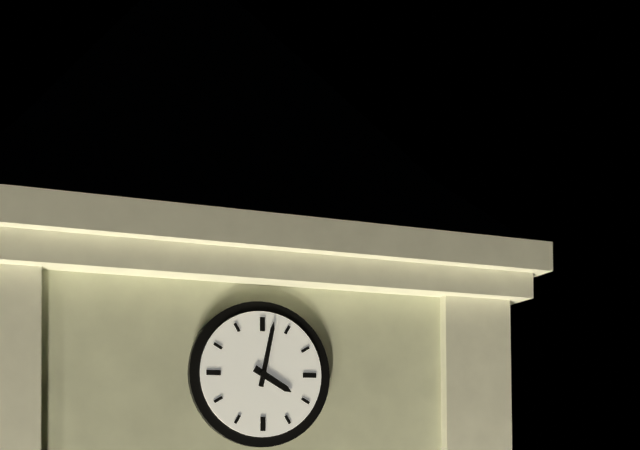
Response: 4:02
